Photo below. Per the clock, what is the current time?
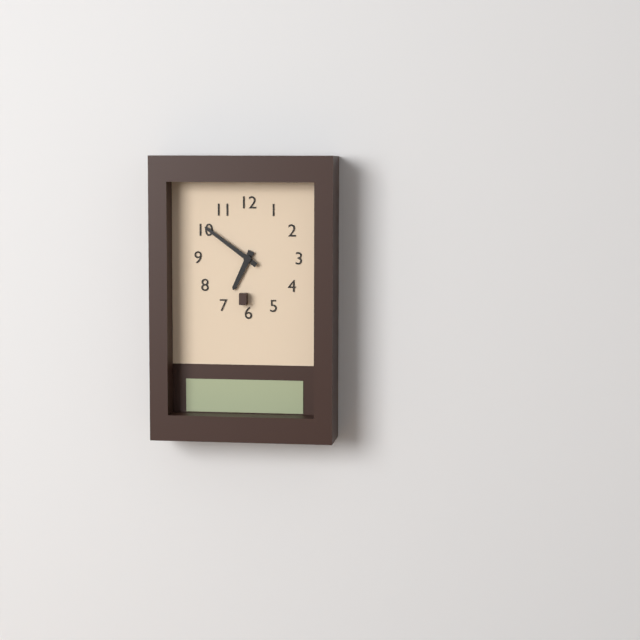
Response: 6:51
